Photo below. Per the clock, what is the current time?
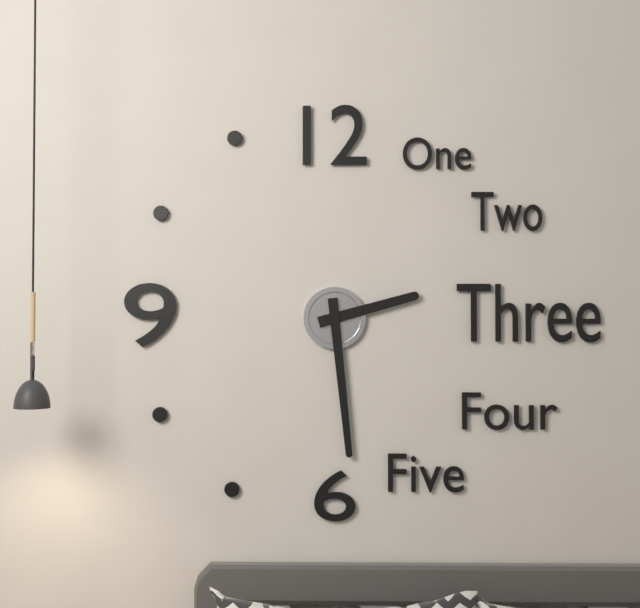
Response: 2:29
